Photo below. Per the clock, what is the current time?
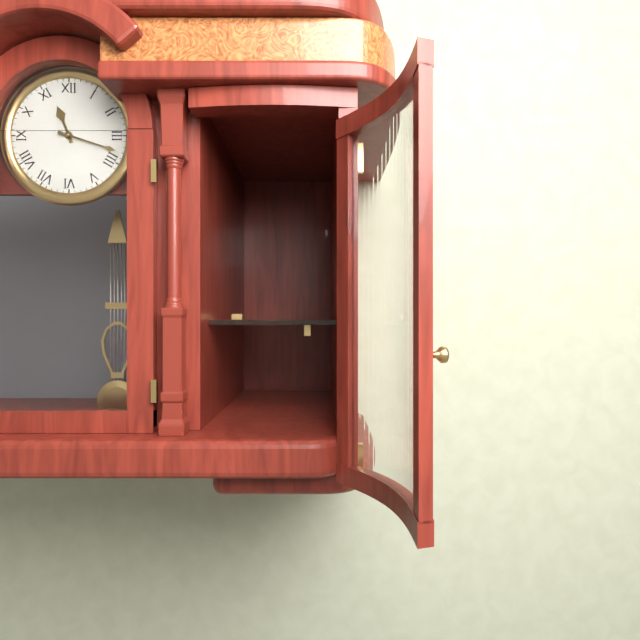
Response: 11:18
